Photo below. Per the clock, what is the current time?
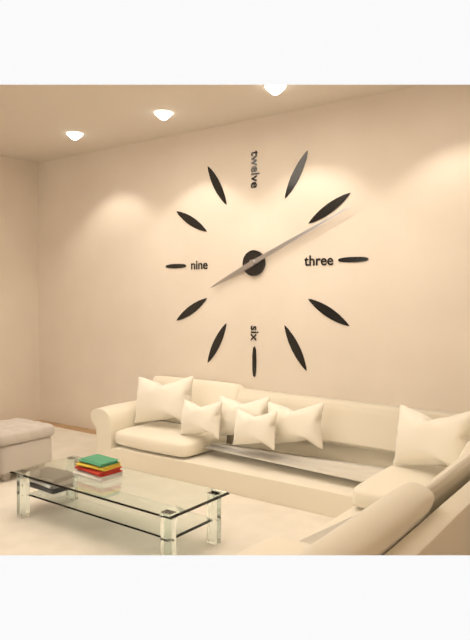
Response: 8:11
